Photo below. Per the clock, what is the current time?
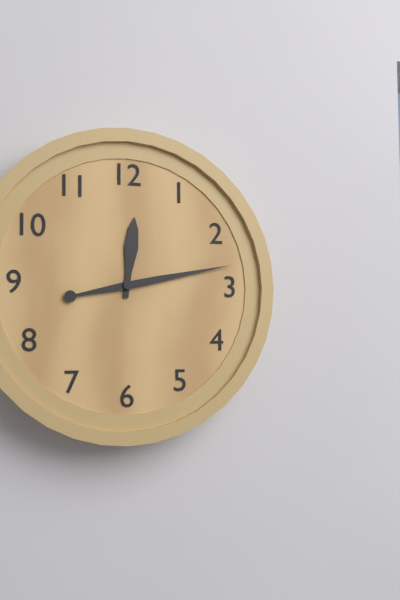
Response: 12:13
